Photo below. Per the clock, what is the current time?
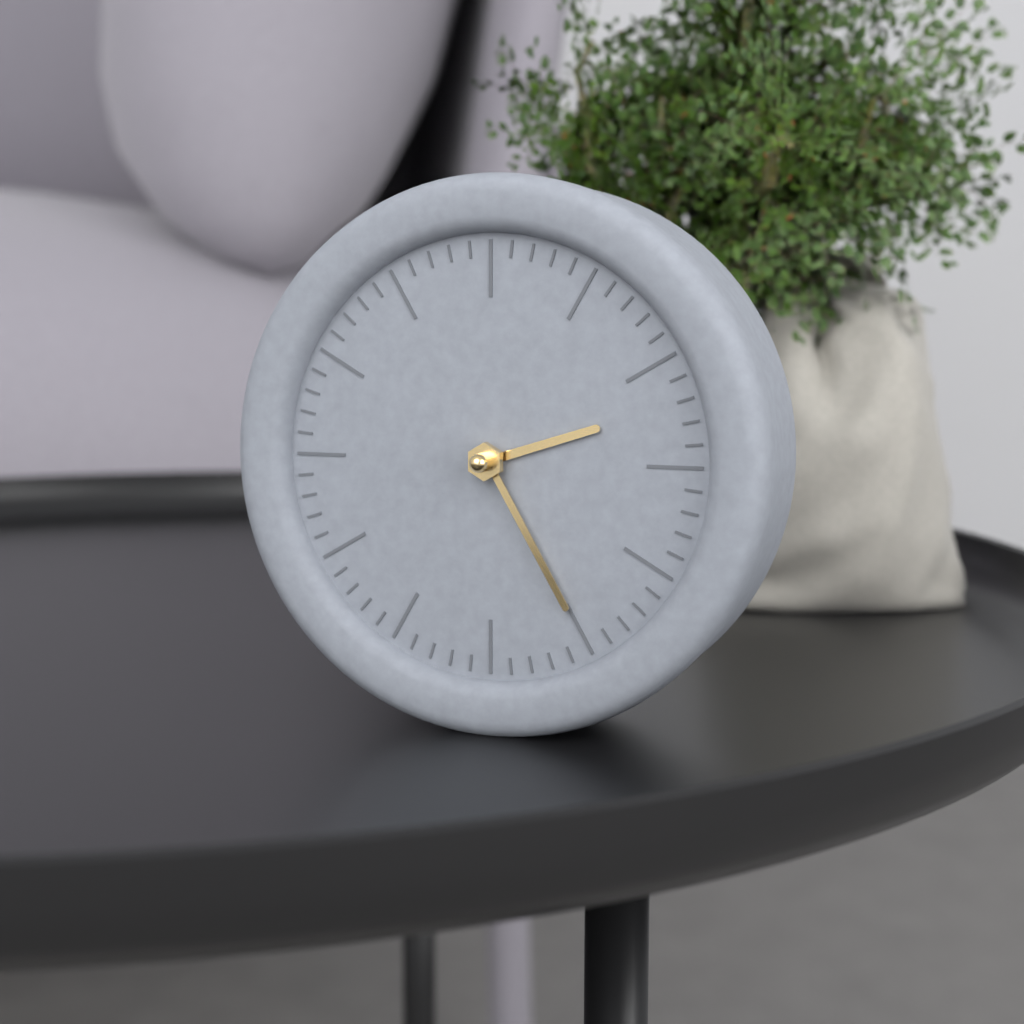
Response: 2:25
